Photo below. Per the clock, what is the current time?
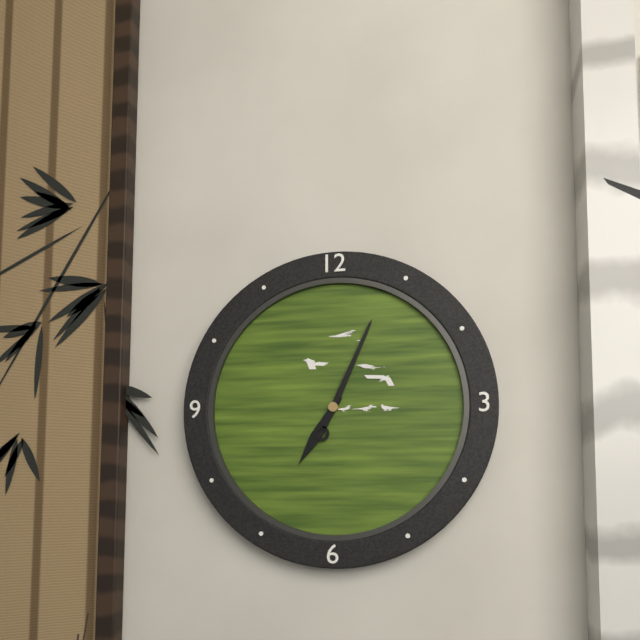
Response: 7:04
